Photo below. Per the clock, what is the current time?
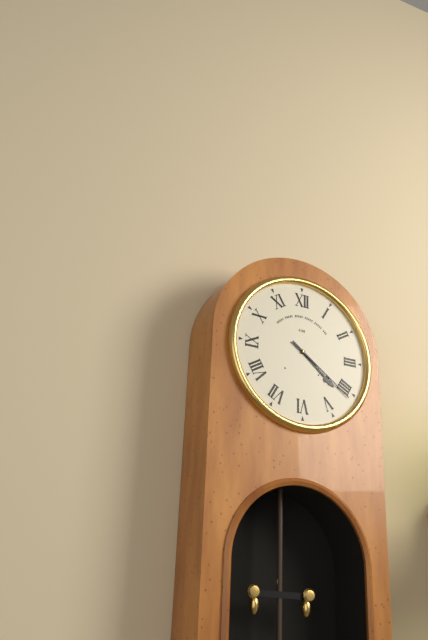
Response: 4:21
